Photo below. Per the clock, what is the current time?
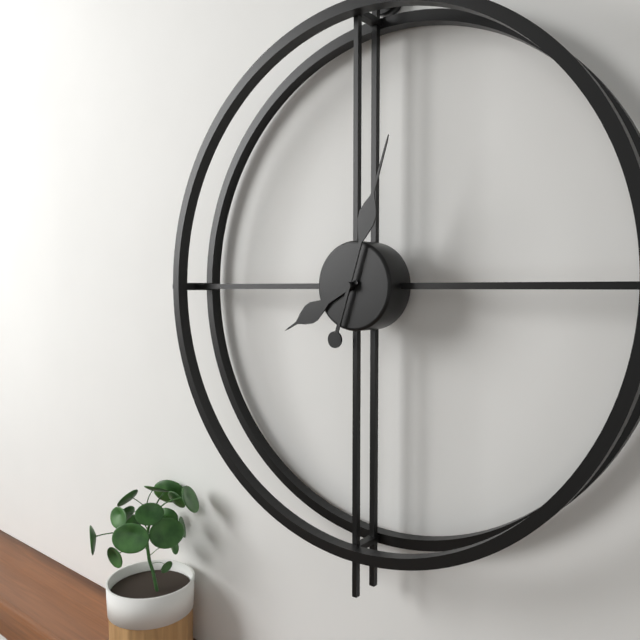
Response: 8:03
